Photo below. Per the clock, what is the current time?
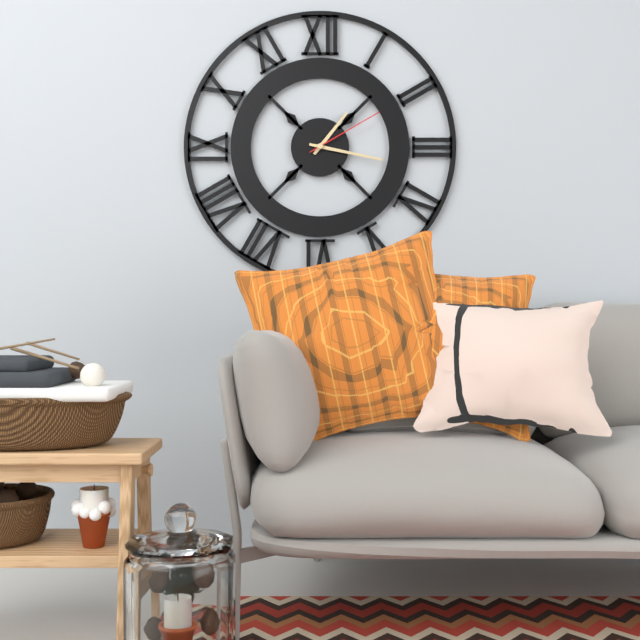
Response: 1:17:10
